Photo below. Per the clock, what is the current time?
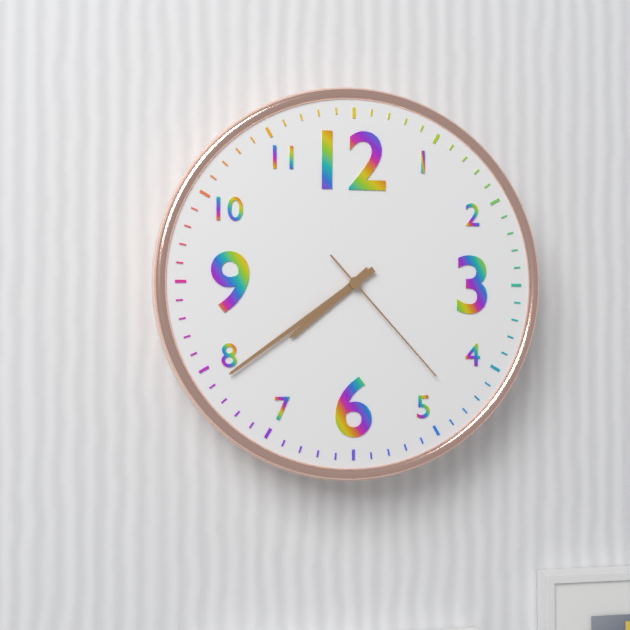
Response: 7:39:23
